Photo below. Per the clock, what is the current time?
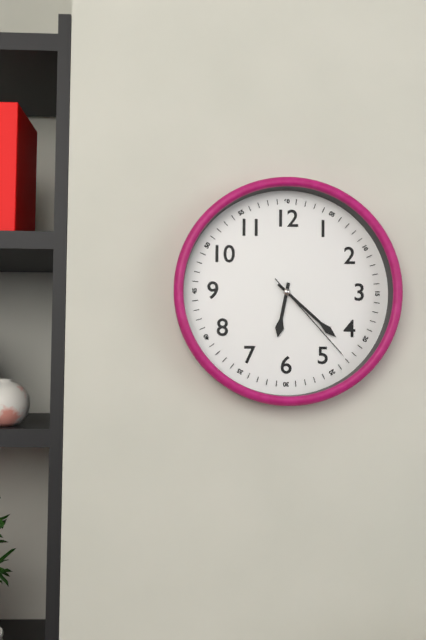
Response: 6:22:23
